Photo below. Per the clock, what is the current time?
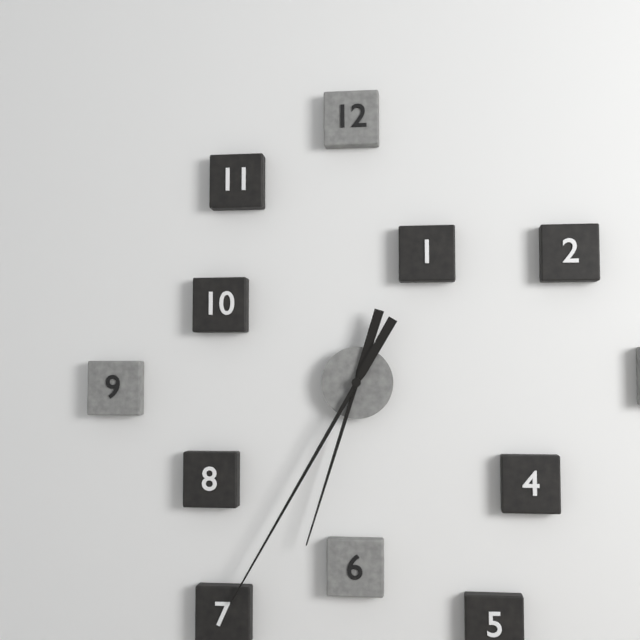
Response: 6:35
